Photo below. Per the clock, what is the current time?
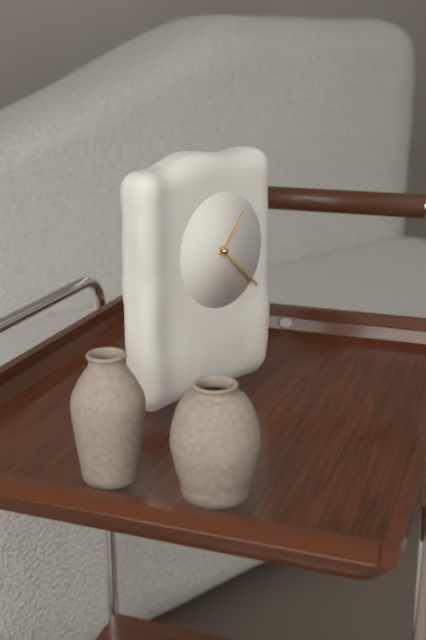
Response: 1:22
